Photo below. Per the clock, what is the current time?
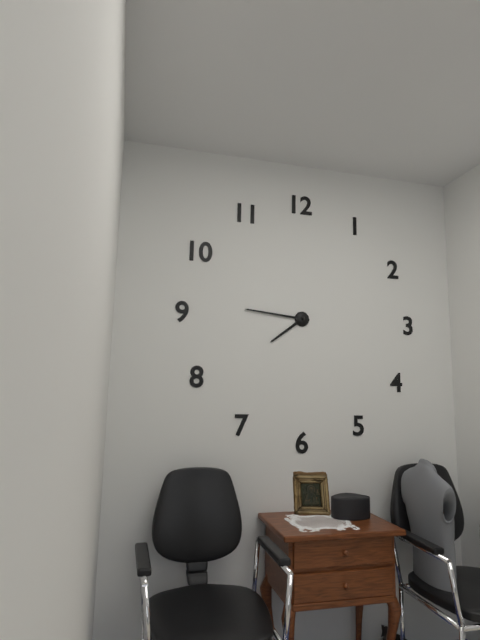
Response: 7:46
